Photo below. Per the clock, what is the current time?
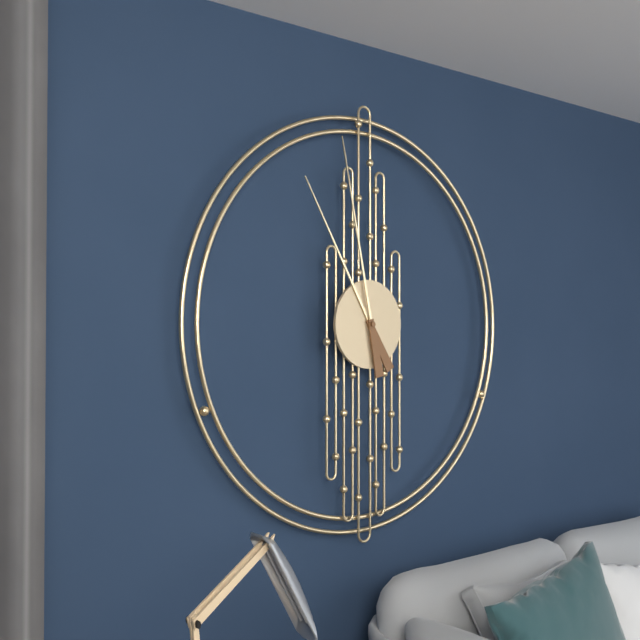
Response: 10:58
